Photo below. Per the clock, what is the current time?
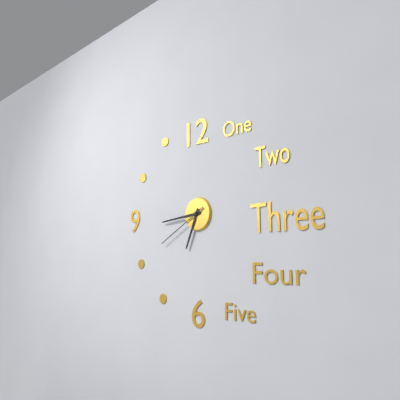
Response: 6:44:40
